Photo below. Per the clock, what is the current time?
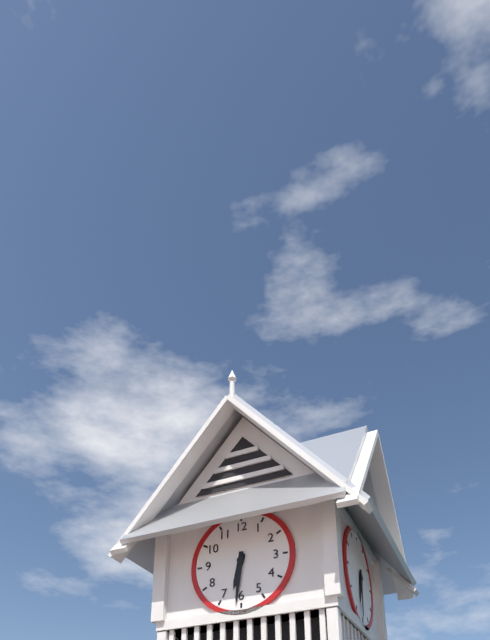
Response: 6:31
